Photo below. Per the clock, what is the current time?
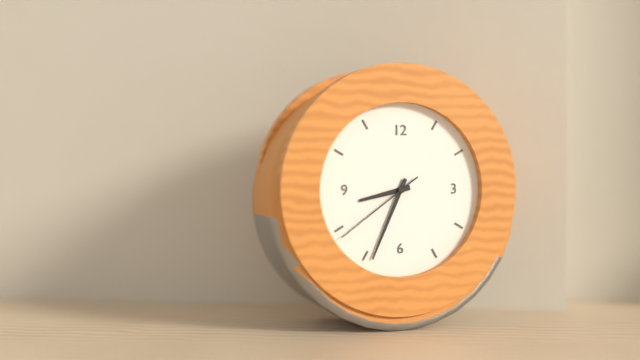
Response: 8:34:39
